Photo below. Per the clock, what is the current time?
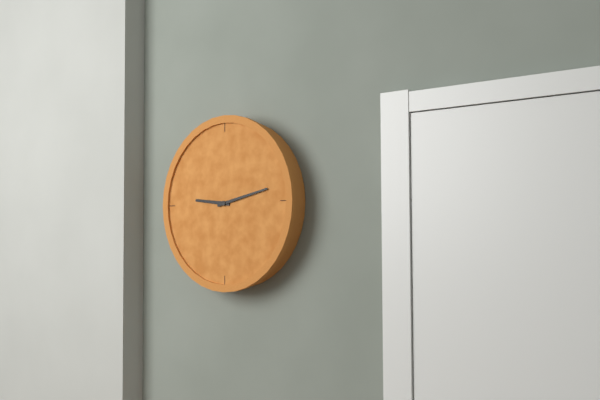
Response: 9:13
